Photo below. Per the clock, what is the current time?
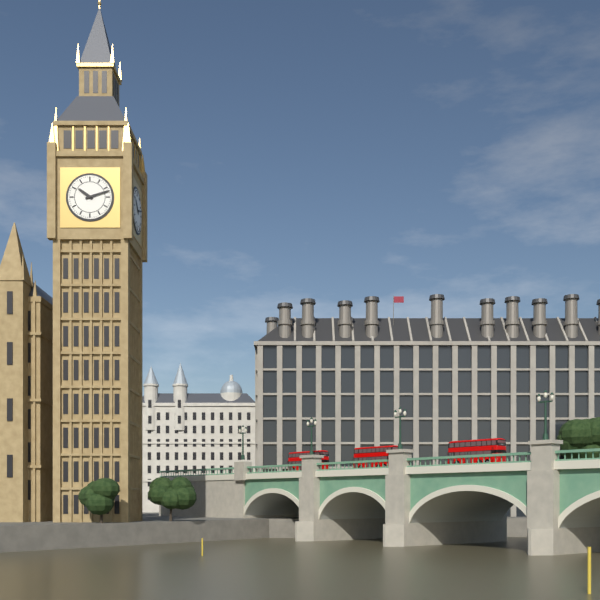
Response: 10:12
